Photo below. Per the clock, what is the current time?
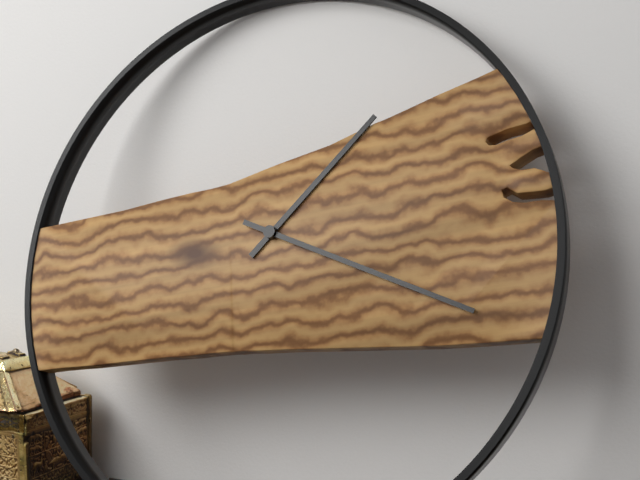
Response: 1:18
